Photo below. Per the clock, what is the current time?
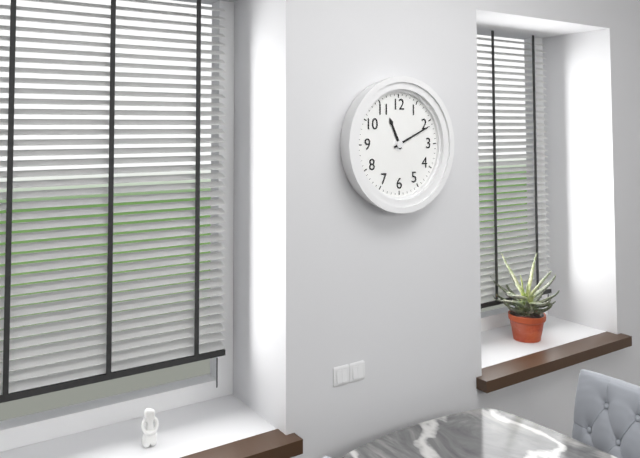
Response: 11:11
